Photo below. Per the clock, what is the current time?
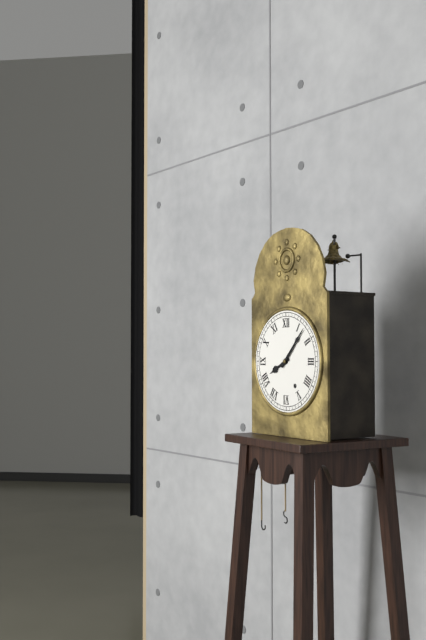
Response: 8:07
